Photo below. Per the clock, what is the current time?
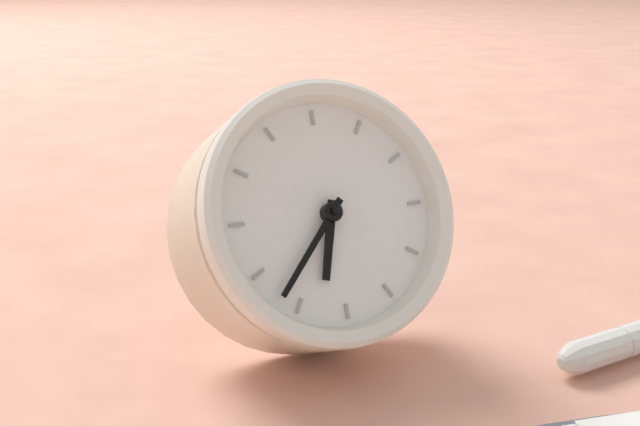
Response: 5:32
